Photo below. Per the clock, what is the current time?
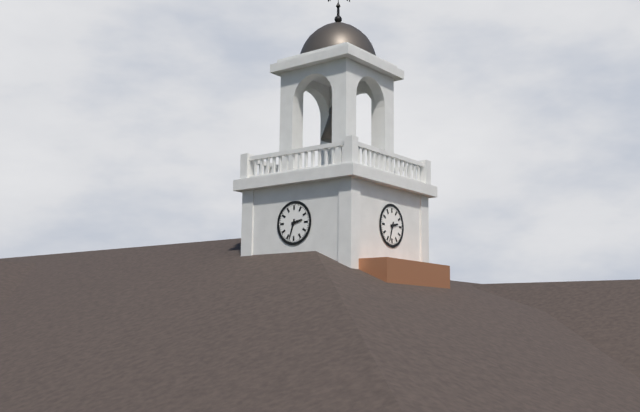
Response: 2:33
